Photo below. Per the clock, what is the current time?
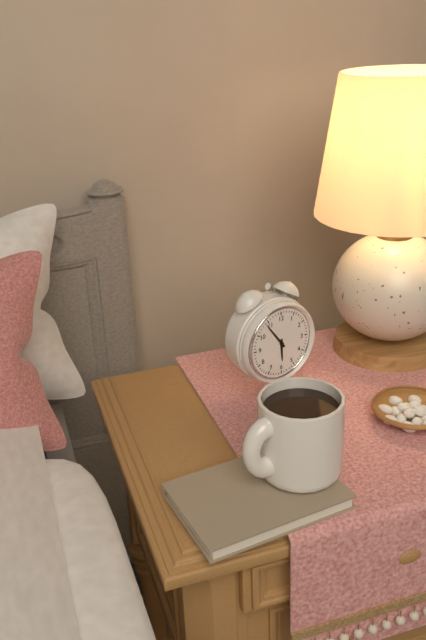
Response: 5:54
